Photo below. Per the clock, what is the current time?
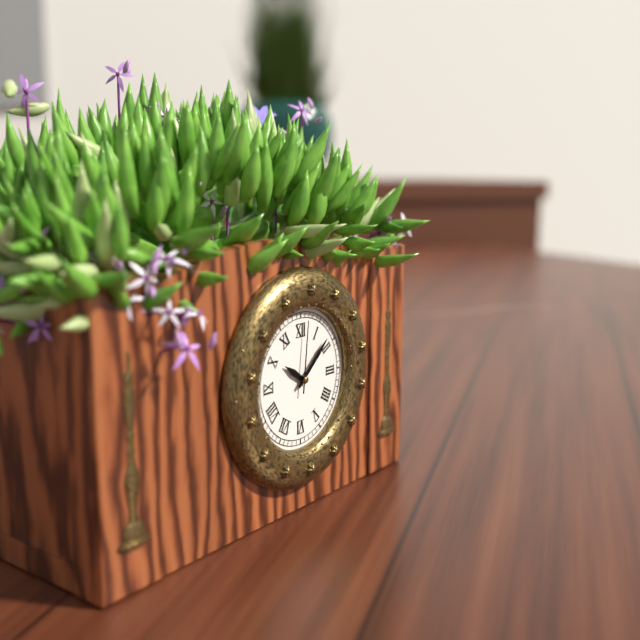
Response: 10:08:01
